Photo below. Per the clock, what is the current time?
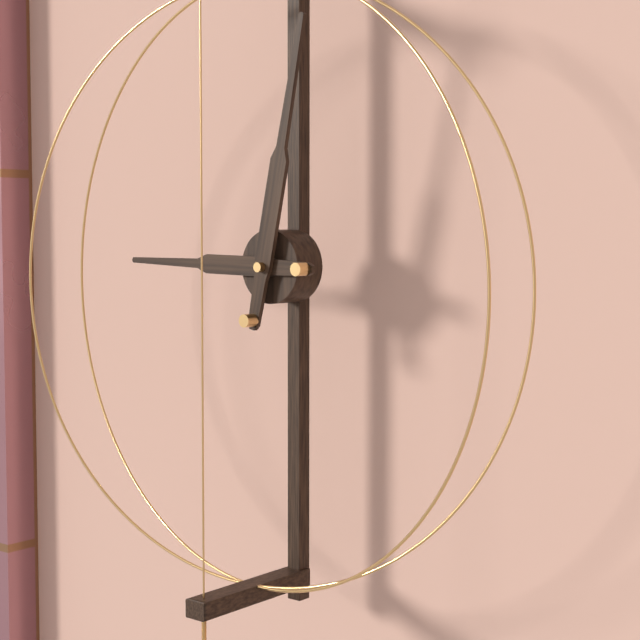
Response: 9:02
